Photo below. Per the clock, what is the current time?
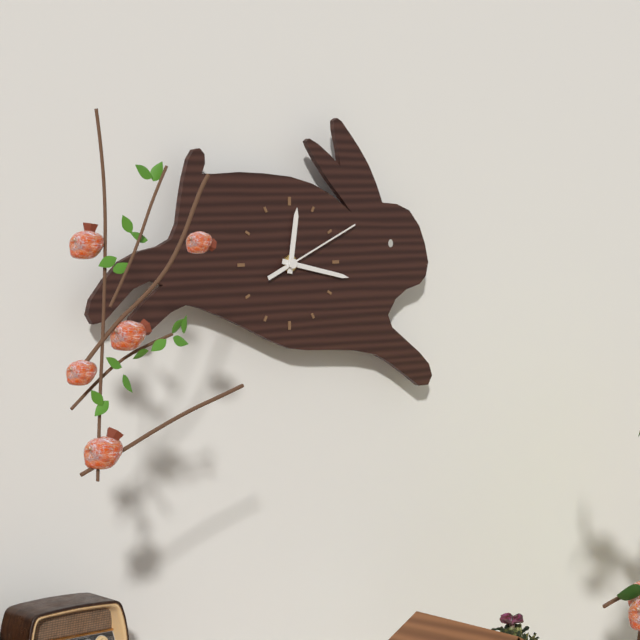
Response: 12:17:11
